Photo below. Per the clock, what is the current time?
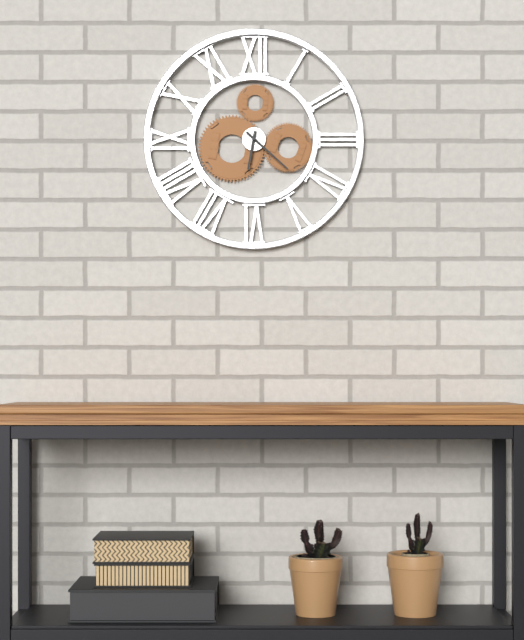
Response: 6:22
